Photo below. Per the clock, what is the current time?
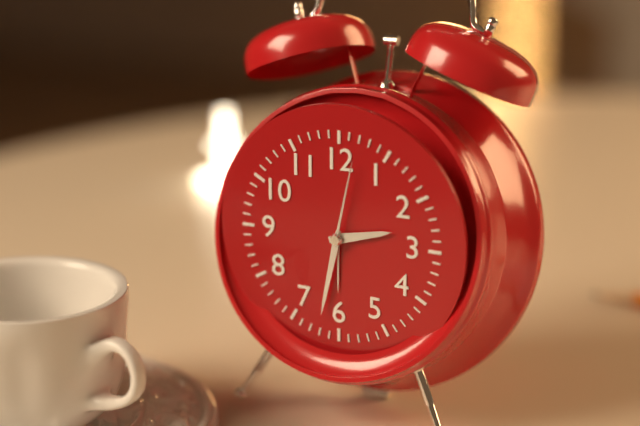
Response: 2:32:02
